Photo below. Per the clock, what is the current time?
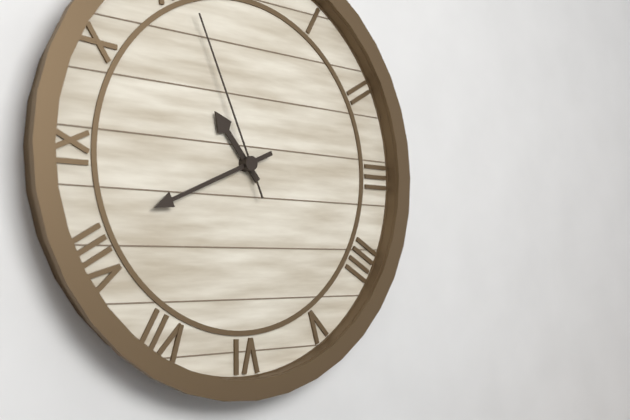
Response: 10:41:56
